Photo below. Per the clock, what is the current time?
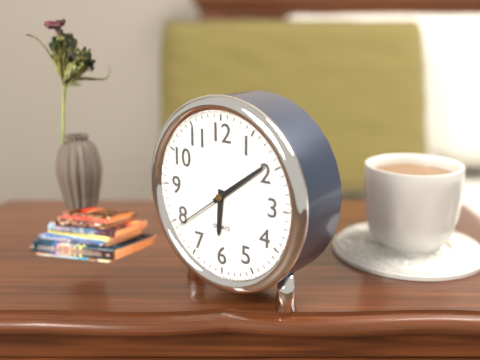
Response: 6:09:39
